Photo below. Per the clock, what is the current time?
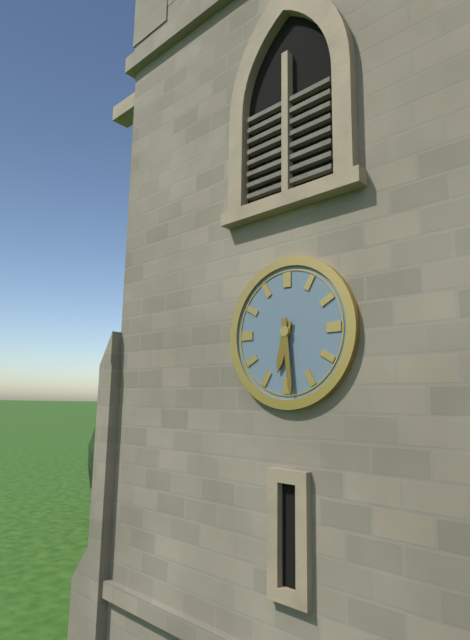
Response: 6:29
